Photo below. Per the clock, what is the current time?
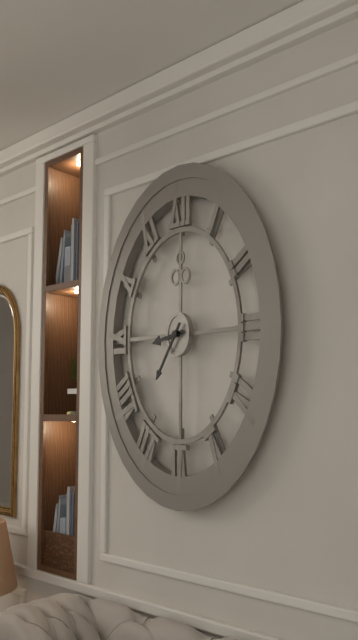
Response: 8:35
